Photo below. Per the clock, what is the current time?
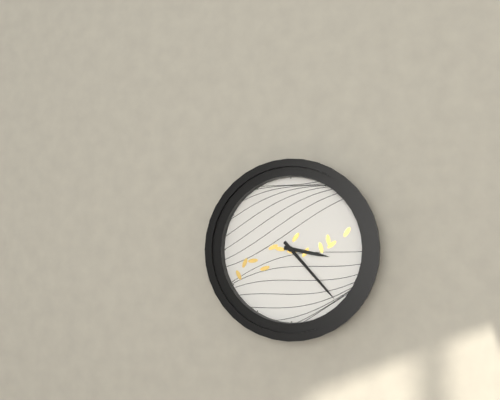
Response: 3:23
